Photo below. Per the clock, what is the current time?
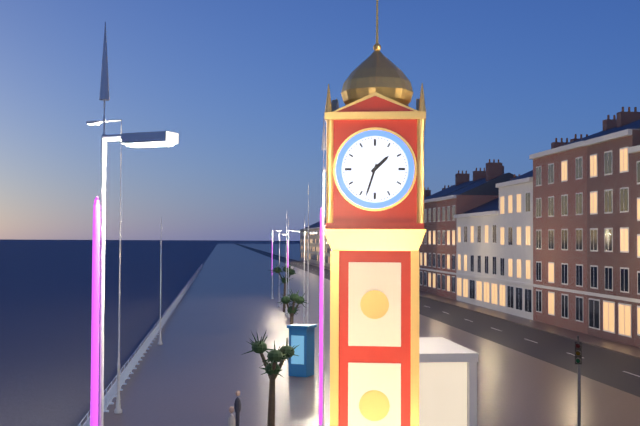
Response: 1:33
